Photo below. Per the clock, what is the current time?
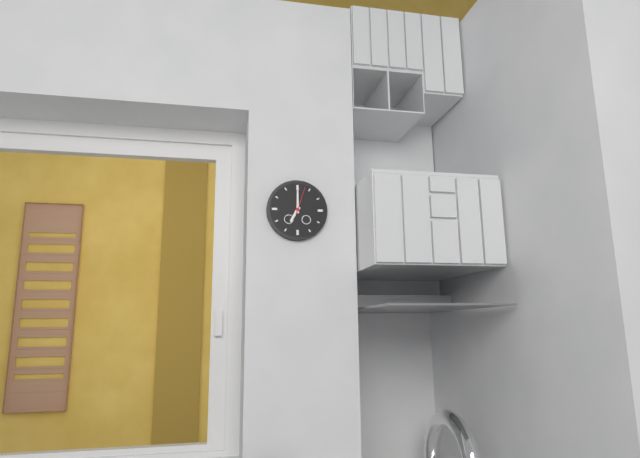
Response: 7:00
